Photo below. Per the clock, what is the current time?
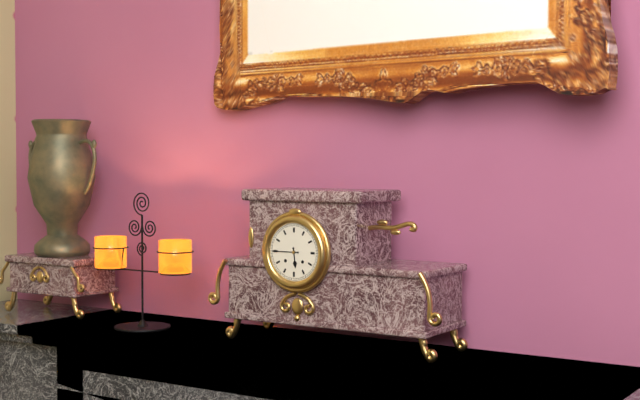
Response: 5:45
